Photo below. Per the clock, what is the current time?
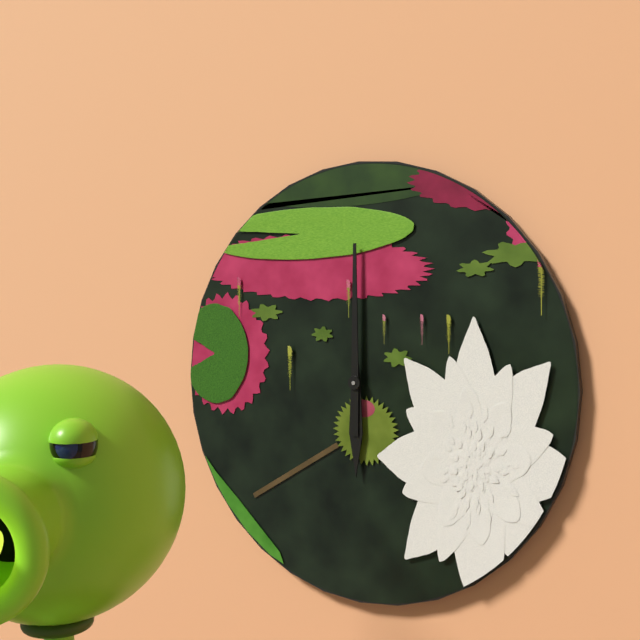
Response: 6:00
